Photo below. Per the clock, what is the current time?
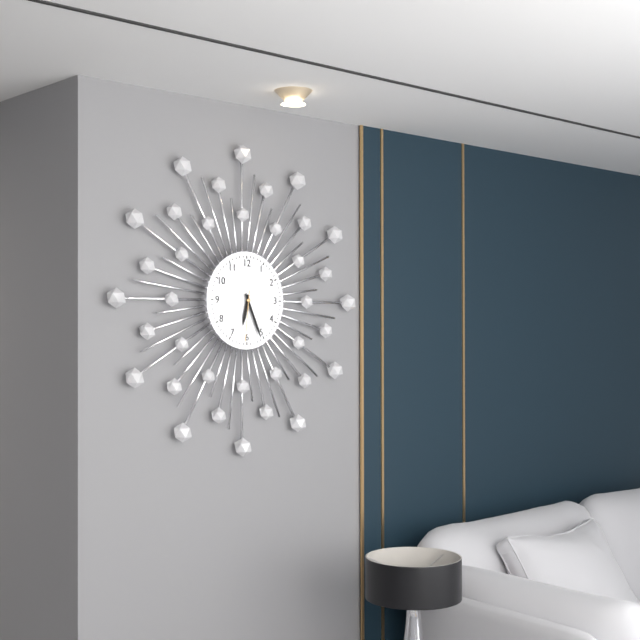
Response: 6:26:31
